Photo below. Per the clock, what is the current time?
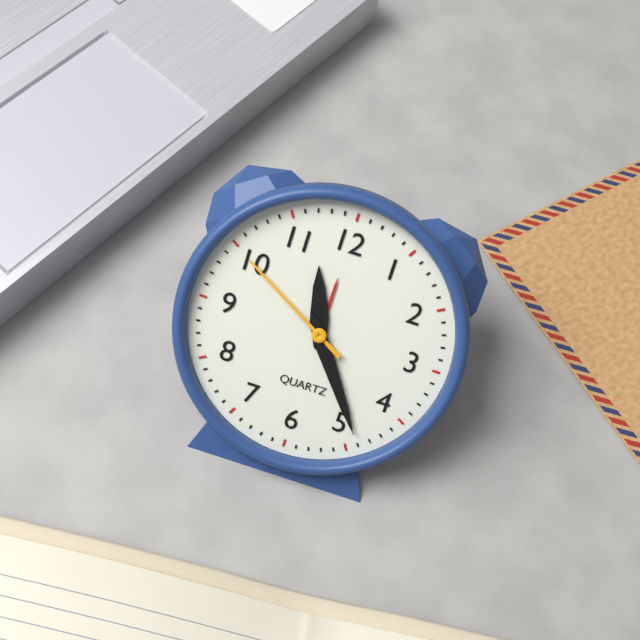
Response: 11:24:50
